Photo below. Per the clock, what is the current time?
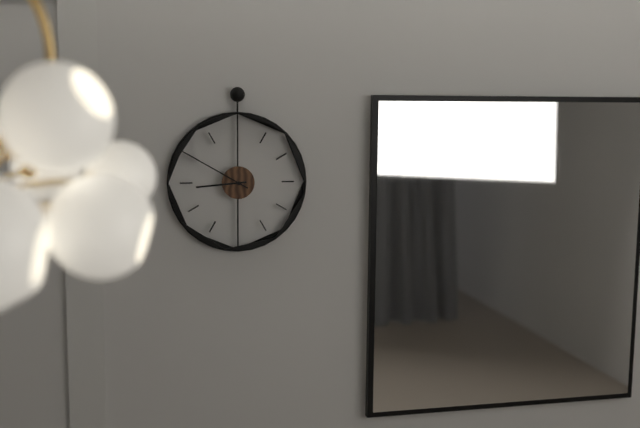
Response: 8:50
